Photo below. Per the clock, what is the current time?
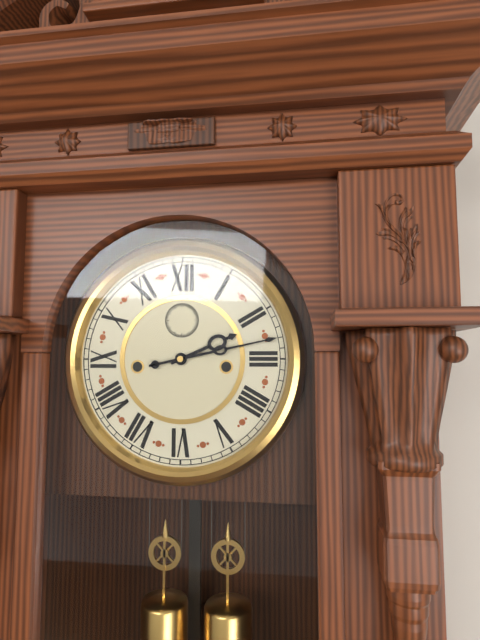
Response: 2:13
